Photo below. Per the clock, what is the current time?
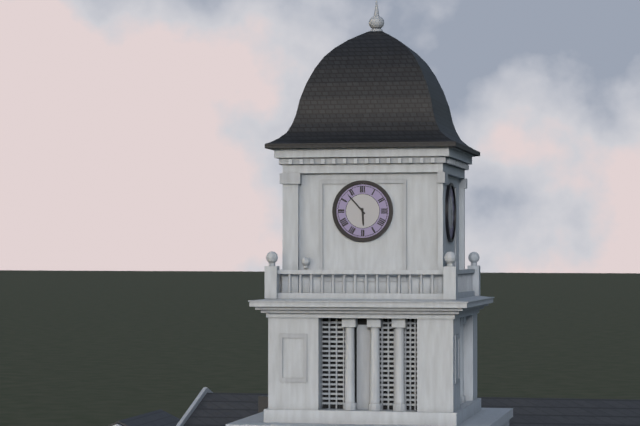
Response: 5:53
